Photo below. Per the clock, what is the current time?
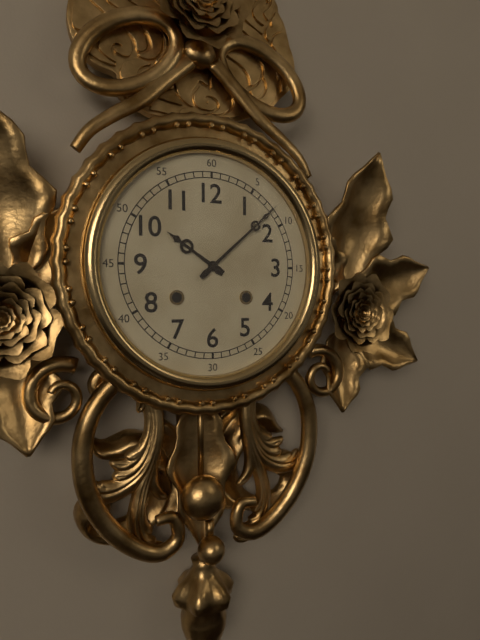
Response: 10:08
